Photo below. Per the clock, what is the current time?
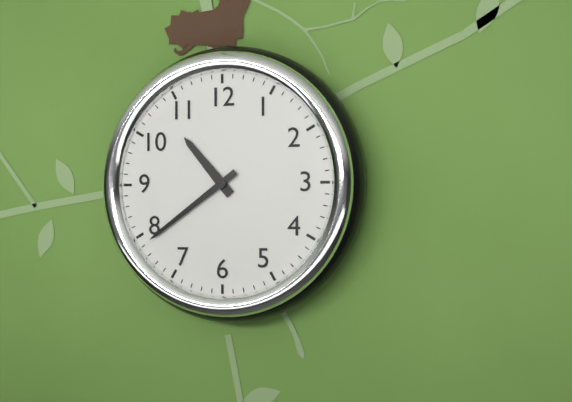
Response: 10:39
